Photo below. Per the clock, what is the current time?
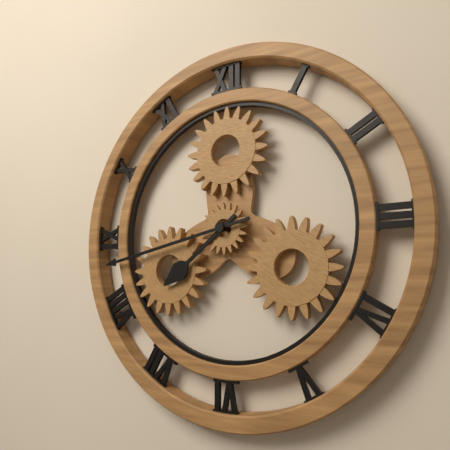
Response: 7:43
